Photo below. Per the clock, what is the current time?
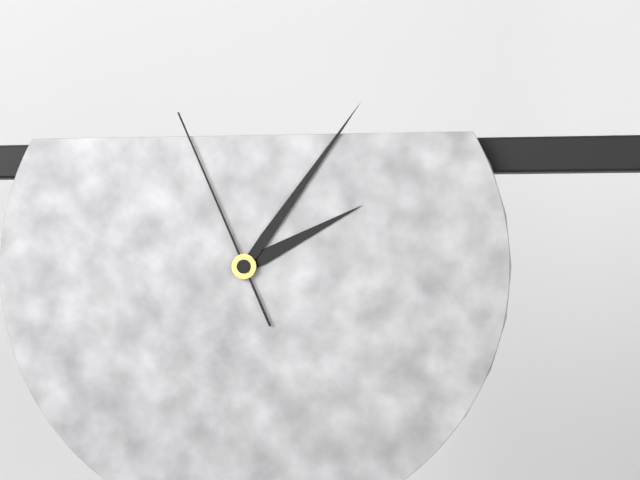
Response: 2:06:56
